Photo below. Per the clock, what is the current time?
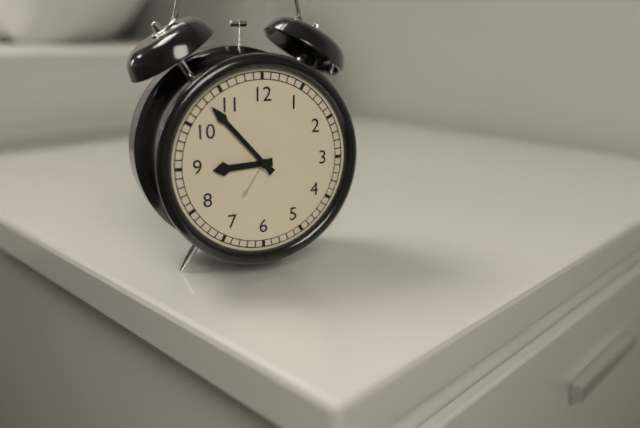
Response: 8:53
